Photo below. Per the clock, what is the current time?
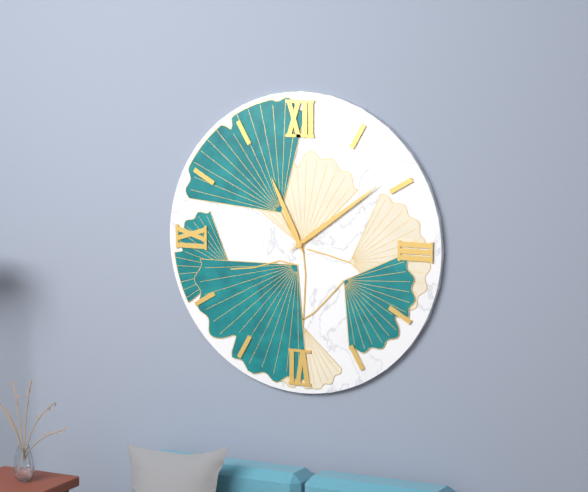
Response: 11:09
